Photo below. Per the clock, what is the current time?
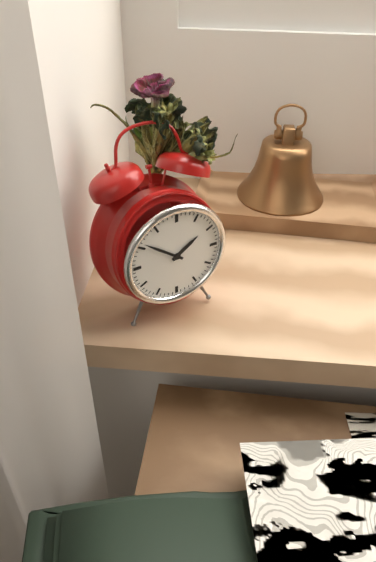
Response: 1:51
